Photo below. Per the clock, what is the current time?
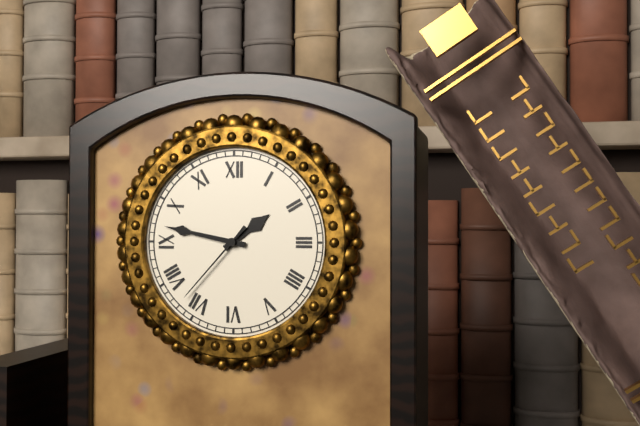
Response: 1:47:37
